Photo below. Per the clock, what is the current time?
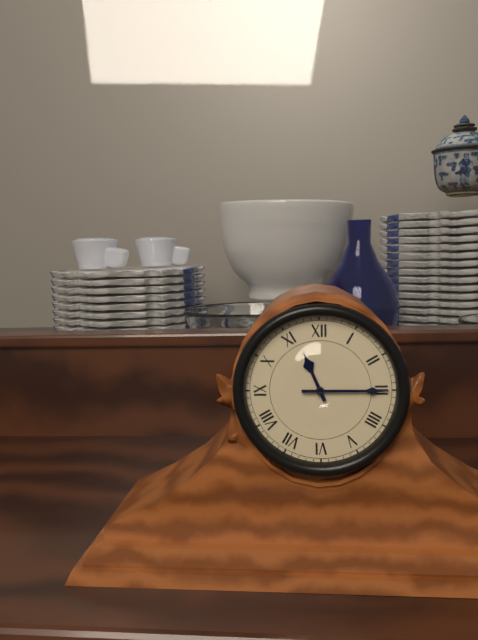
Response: 11:15
